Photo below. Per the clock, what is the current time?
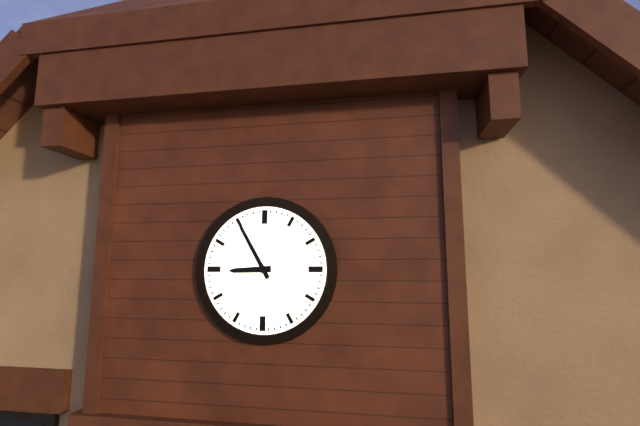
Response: 8:55
